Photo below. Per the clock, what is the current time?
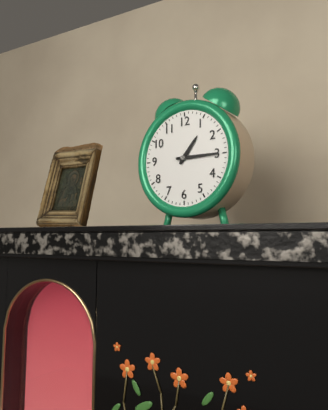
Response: 1:15
